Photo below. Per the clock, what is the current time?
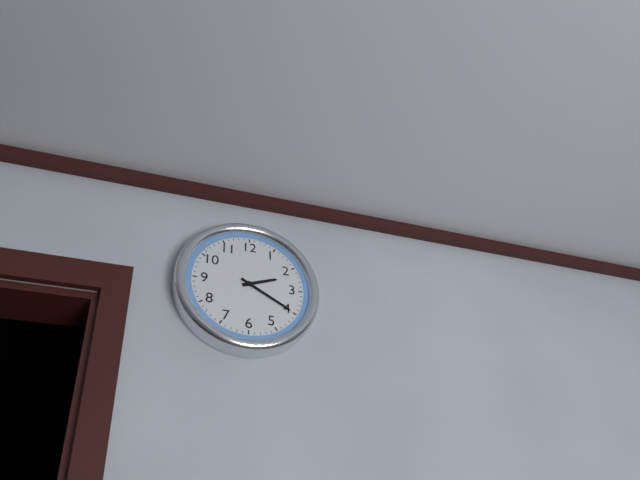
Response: 2:20
